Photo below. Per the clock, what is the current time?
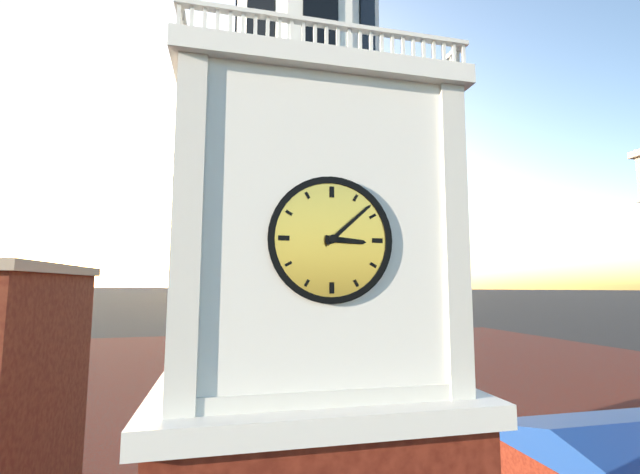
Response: 3:08
